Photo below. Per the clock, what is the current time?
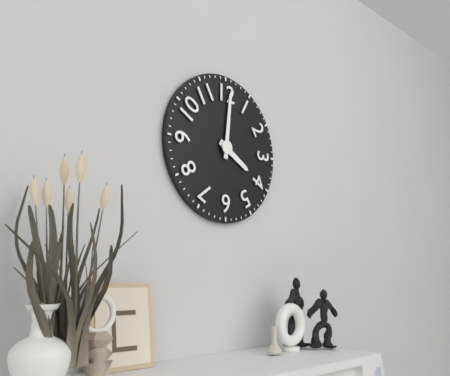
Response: 4:01
